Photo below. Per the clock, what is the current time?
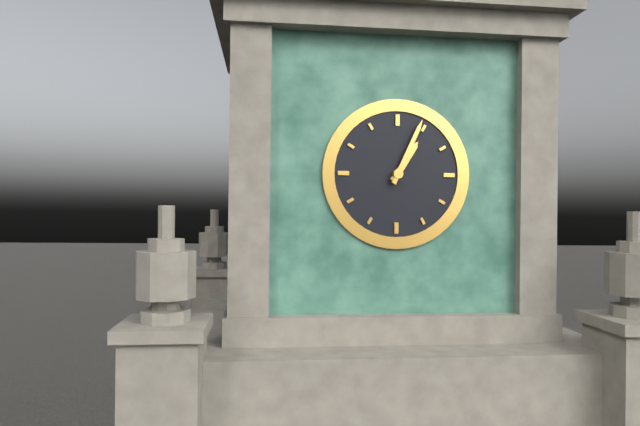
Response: 1:04
